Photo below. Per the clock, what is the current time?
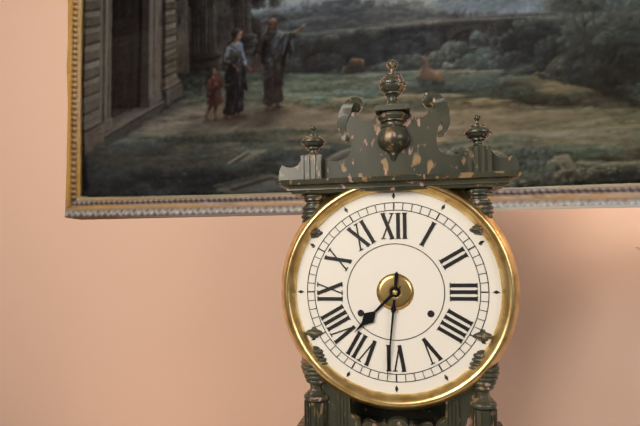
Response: 7:31
